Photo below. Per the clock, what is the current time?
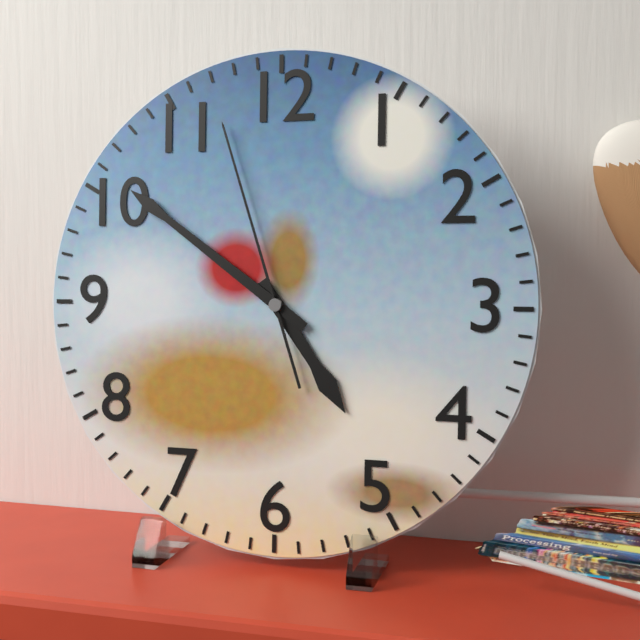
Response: 4:51:57
